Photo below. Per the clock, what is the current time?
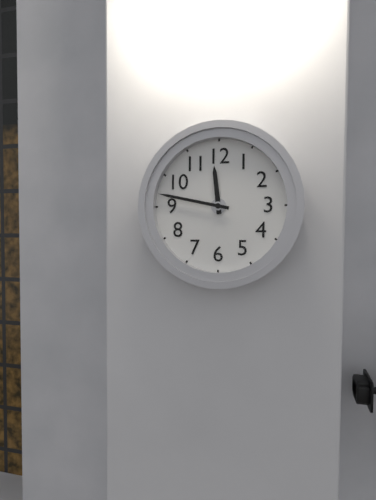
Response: 11:47
